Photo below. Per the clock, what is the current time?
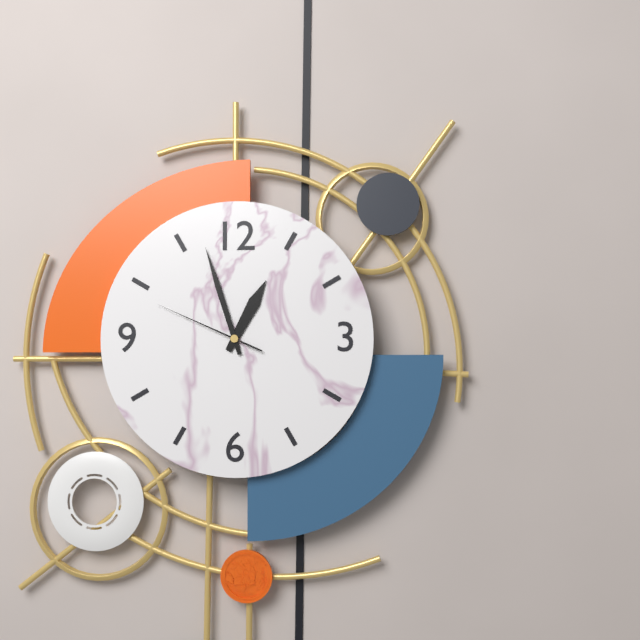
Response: 12:57:49
